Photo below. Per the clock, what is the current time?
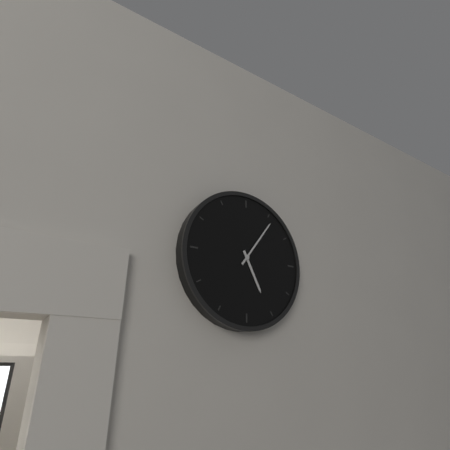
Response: 5:06
